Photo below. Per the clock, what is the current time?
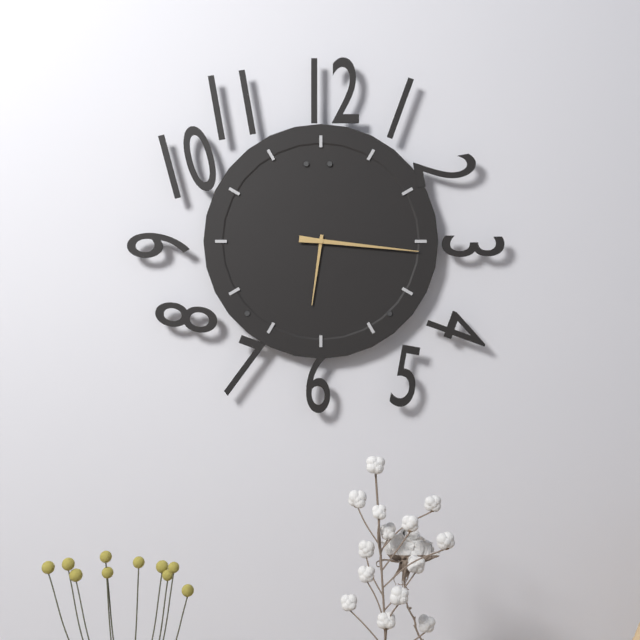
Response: 6:16
